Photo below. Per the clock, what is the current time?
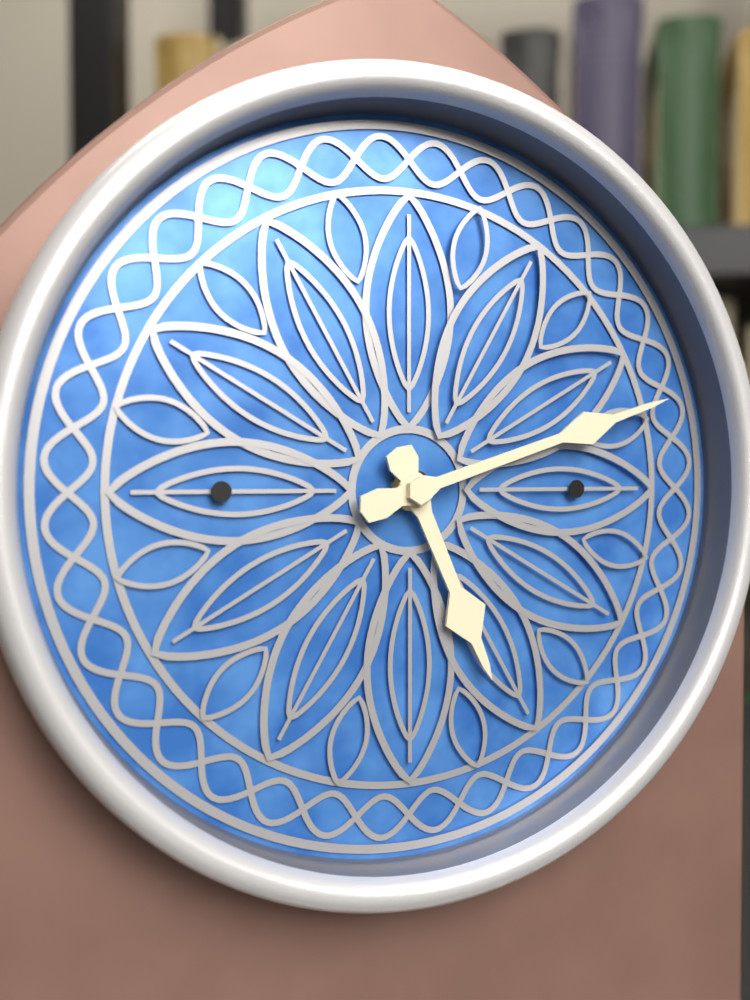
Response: 5:12
